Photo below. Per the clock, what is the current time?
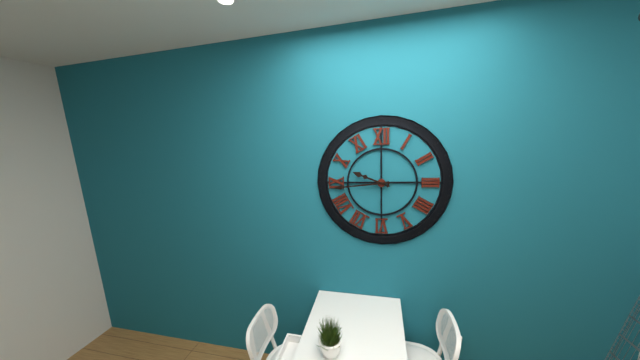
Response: 9:44
